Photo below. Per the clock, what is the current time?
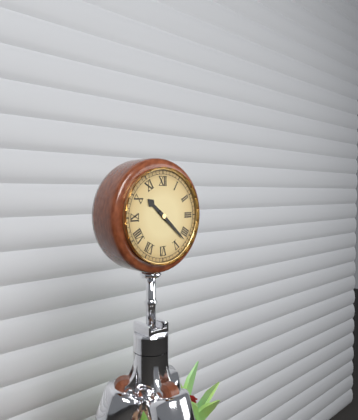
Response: 10:22
